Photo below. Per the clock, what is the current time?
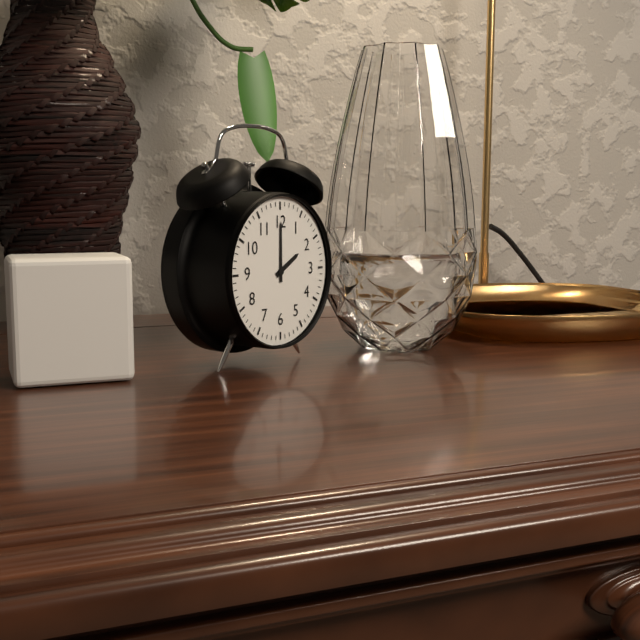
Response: 2:00
